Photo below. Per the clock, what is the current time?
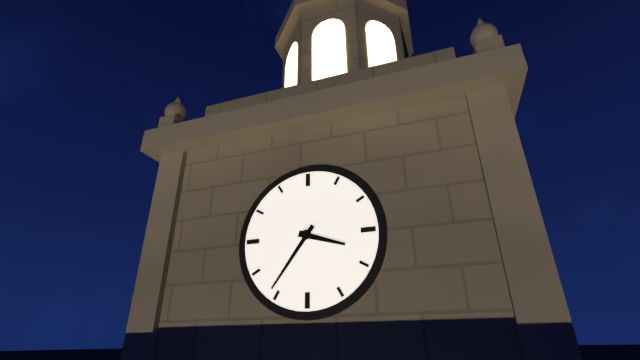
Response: 3:36
